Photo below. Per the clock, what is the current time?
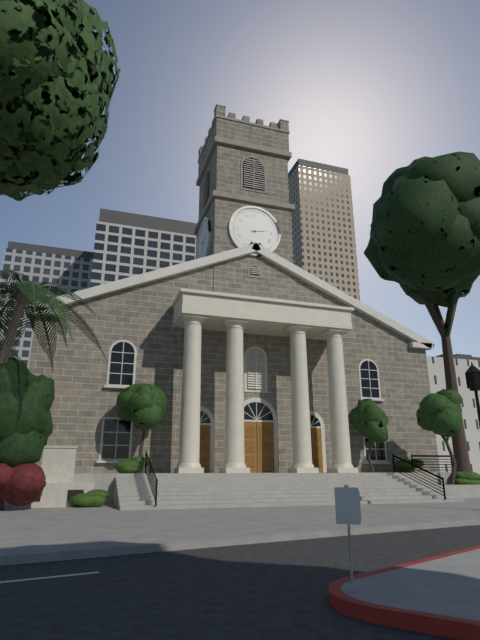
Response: 2:36
